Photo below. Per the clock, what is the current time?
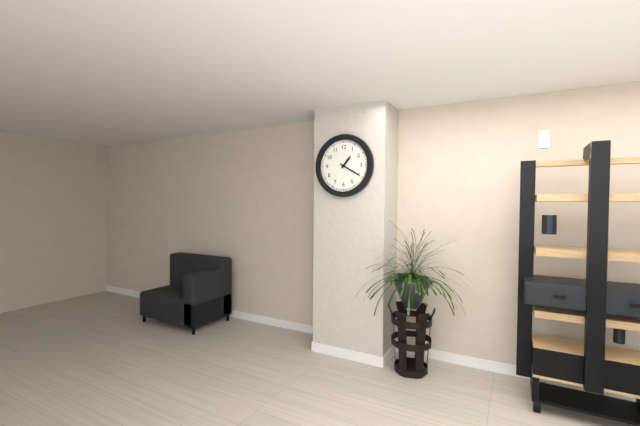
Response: 1:20
